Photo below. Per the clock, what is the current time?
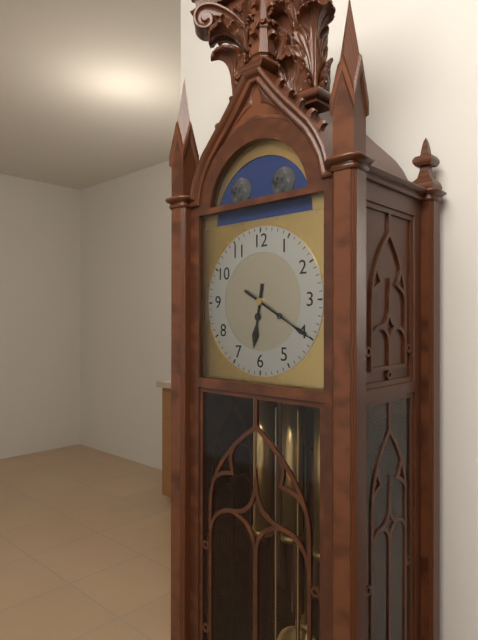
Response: 6:20
